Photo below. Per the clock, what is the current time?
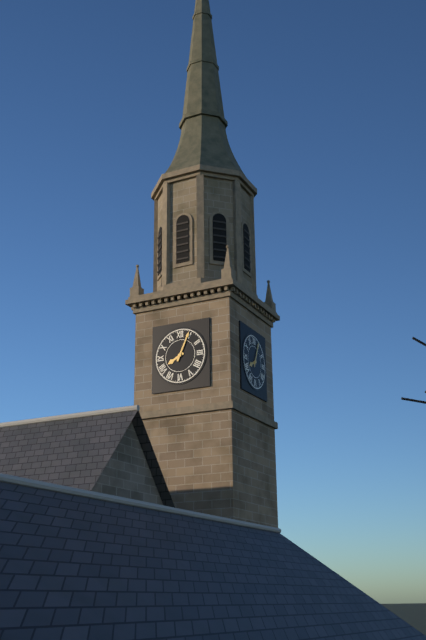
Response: 8:04
